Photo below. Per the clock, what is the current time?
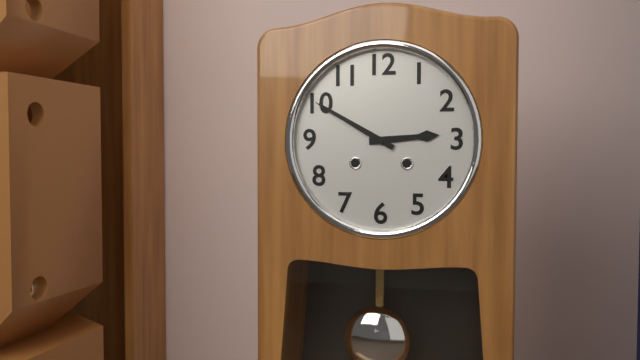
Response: 2:50
